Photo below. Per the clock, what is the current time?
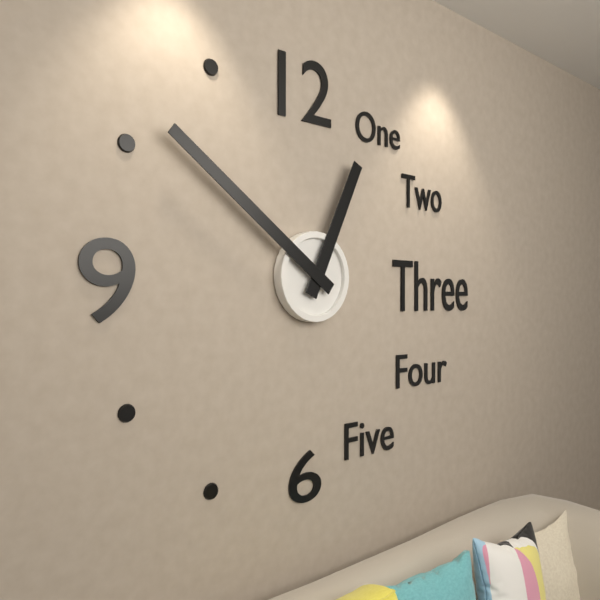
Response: 12:51
